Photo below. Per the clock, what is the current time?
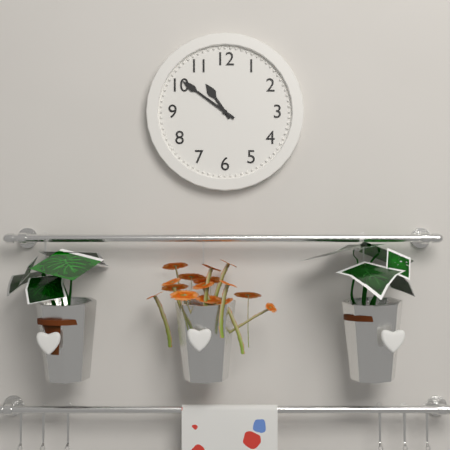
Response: 10:51
